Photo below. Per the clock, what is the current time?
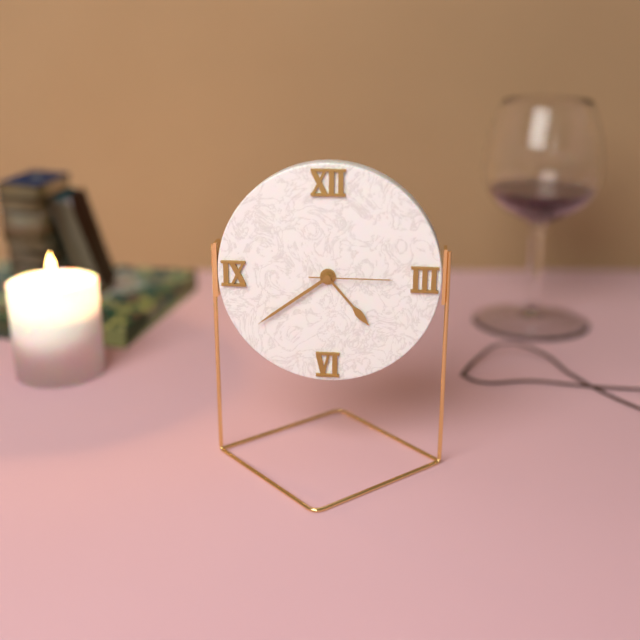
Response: 4:39:15
